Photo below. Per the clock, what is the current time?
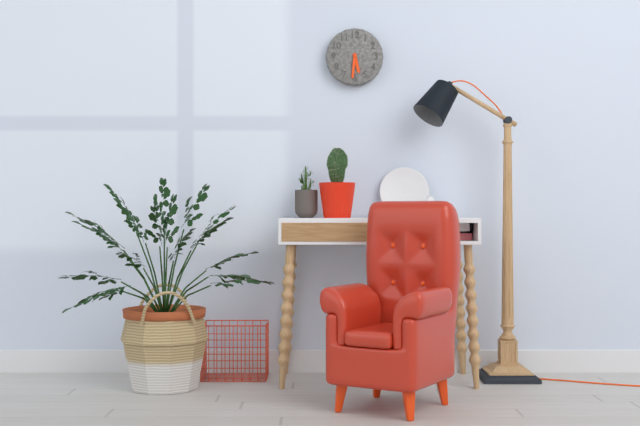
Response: 5:31
